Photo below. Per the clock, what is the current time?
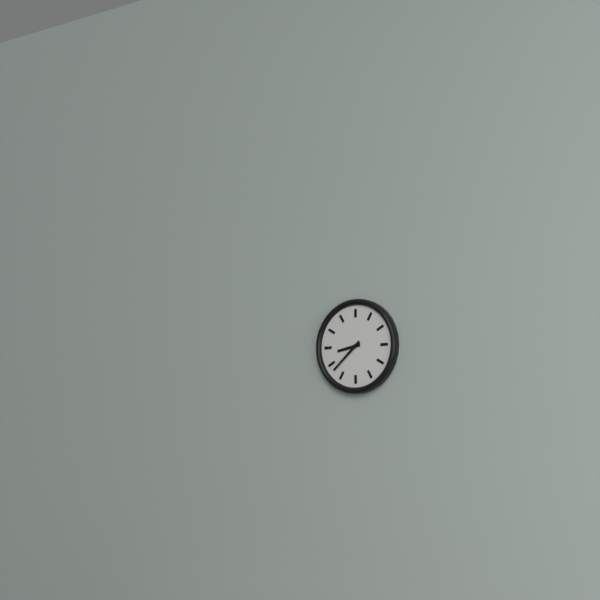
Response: 8:38
